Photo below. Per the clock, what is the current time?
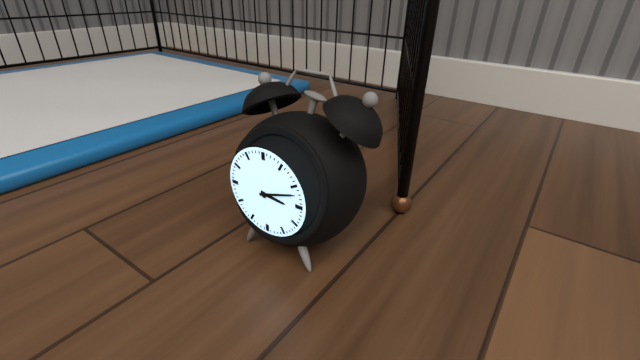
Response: 3:12
